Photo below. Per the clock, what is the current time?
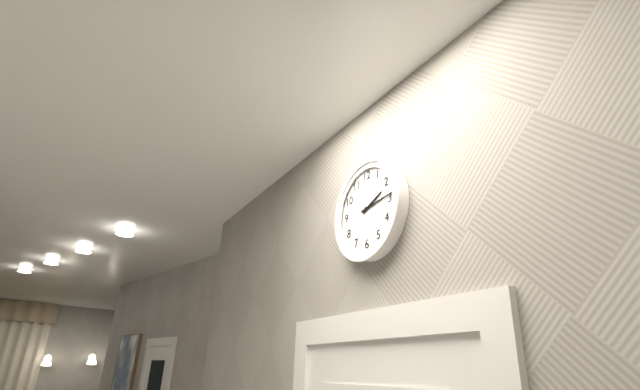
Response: 2:14
